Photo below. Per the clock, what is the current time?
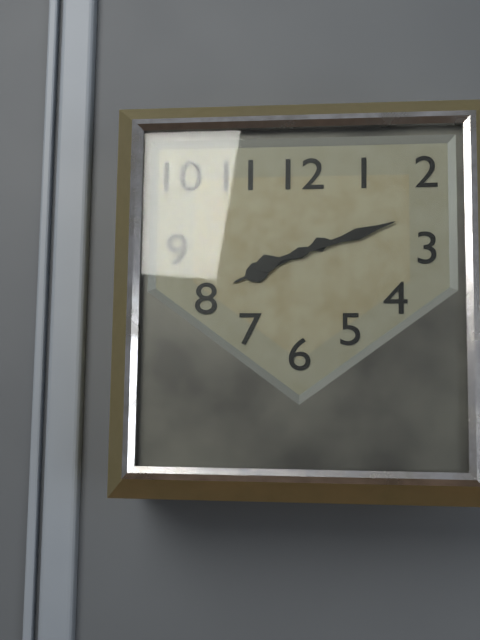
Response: 8:12
